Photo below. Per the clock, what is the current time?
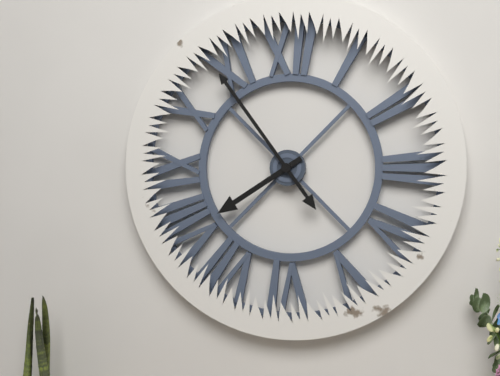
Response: 7:54
